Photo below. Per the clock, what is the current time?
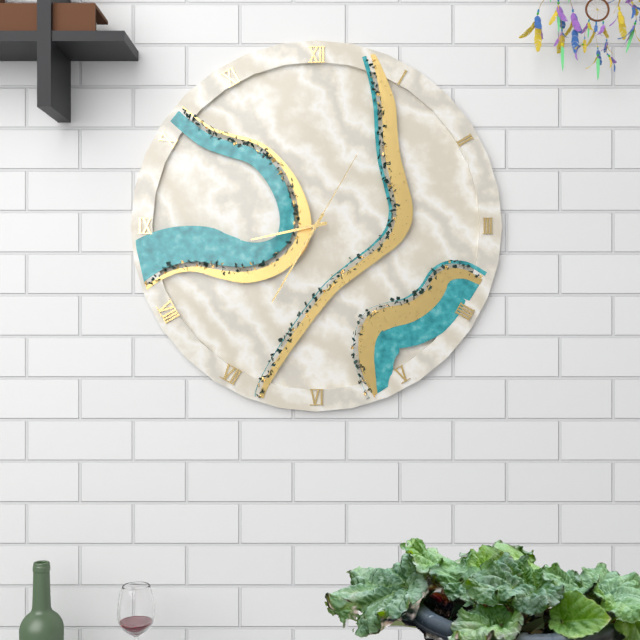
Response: 8:35:05
